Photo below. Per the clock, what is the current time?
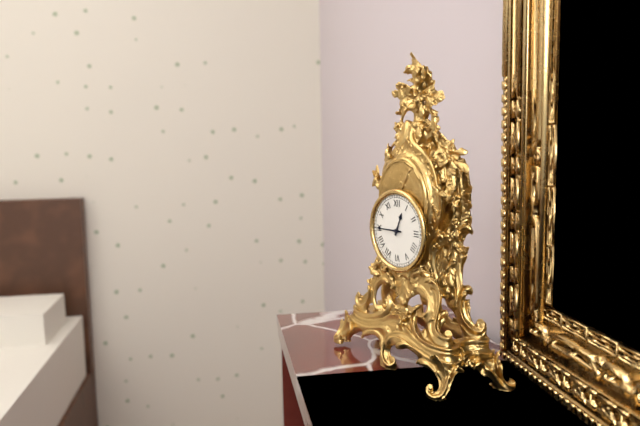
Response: 12:45
